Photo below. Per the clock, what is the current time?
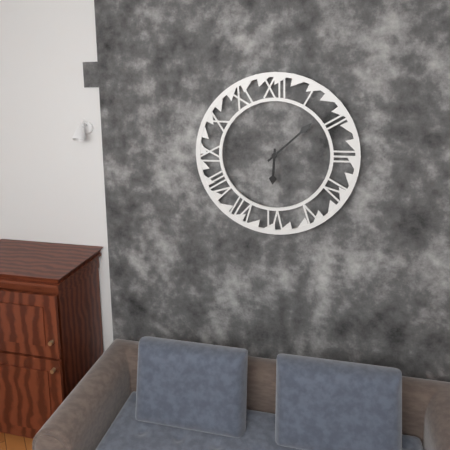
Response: 6:08
